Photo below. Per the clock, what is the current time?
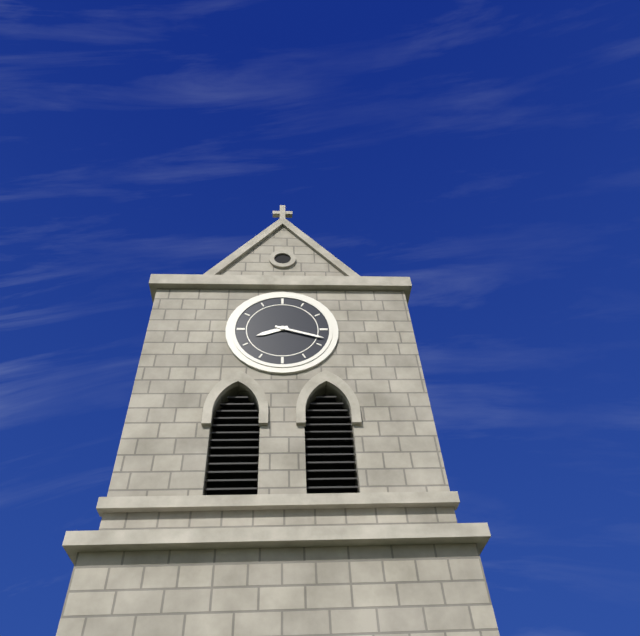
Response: 8:18
